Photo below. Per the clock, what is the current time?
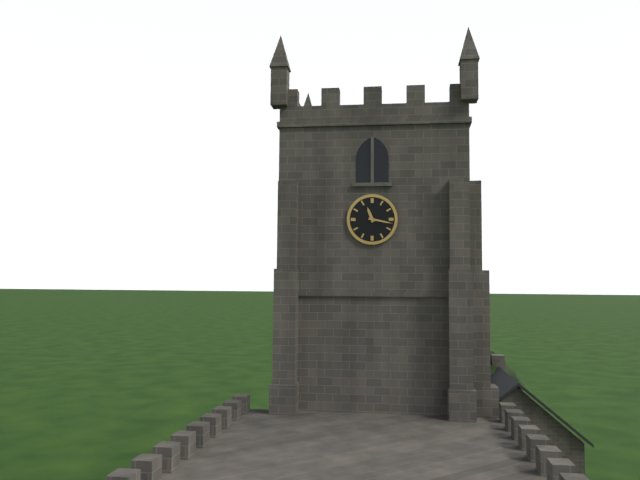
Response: 11:17
